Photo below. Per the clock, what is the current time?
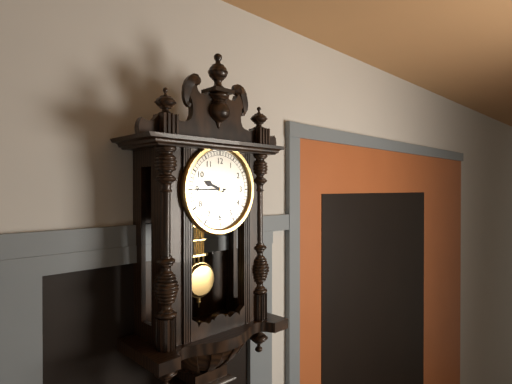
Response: 9:45
